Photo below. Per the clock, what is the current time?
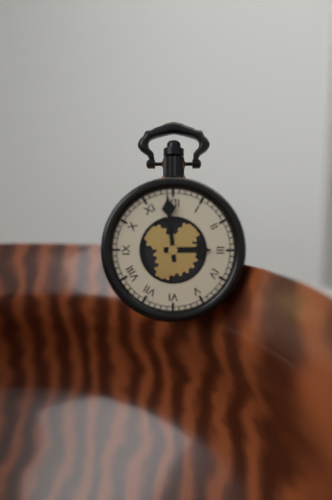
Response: 2:59
